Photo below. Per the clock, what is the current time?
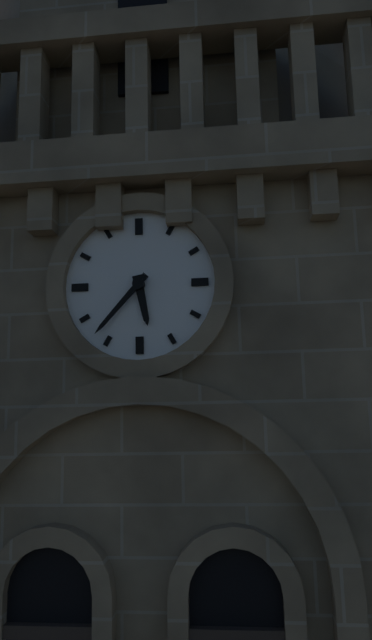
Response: 5:37
